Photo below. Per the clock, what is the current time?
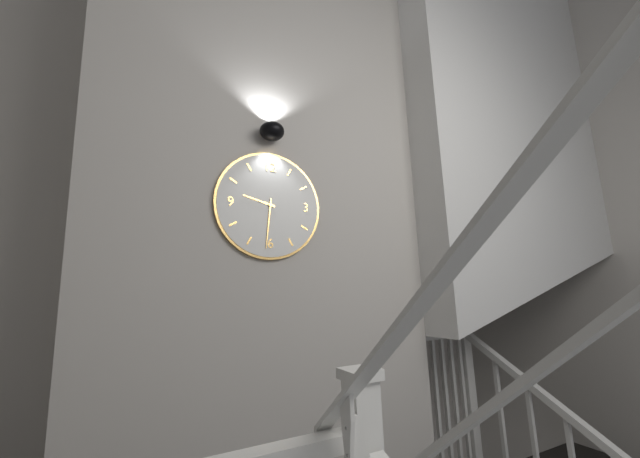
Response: 9:31
